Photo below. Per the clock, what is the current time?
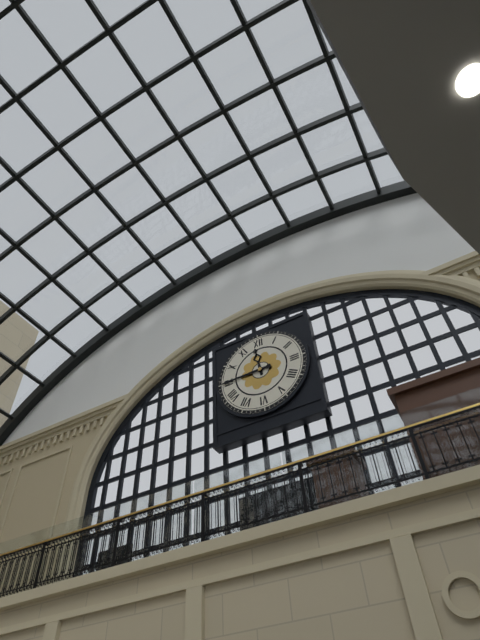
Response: 11:45
